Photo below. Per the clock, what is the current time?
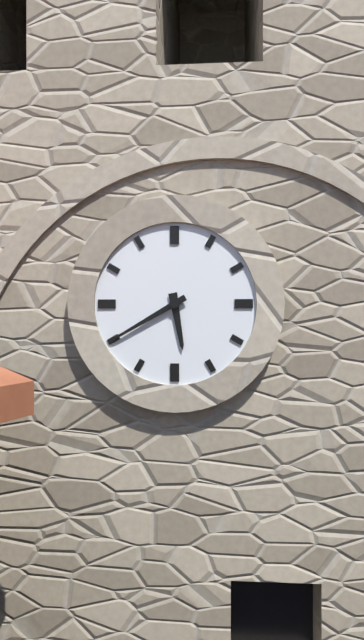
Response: 5:40
